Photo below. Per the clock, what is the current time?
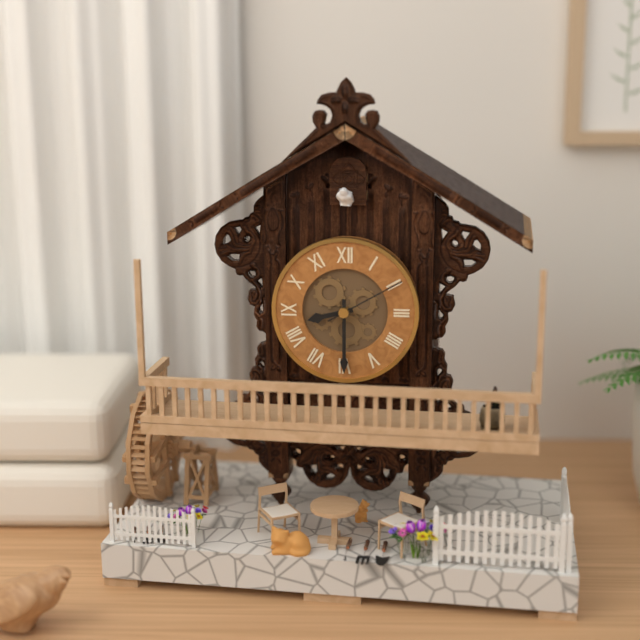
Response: 8:30:10
